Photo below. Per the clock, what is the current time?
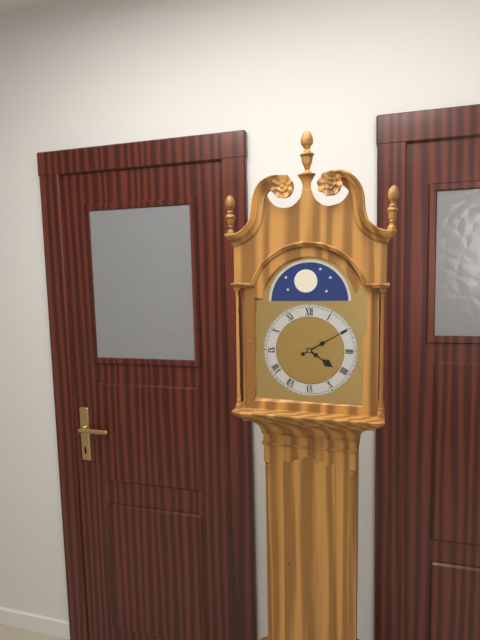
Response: 4:10
